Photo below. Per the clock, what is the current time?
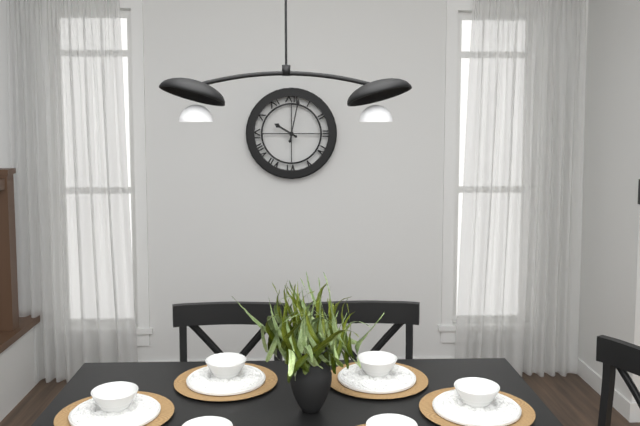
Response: 10:02
